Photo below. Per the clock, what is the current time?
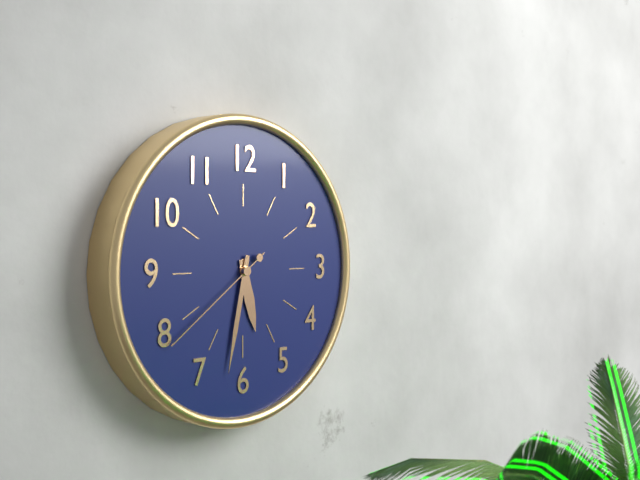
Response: 5:32:39
